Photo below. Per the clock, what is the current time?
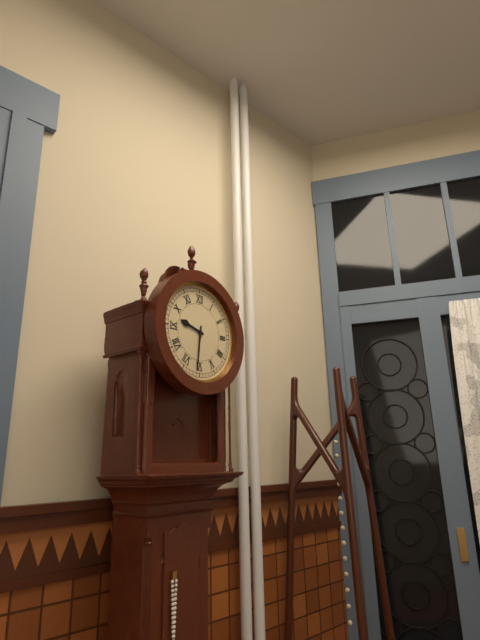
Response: 9:31
